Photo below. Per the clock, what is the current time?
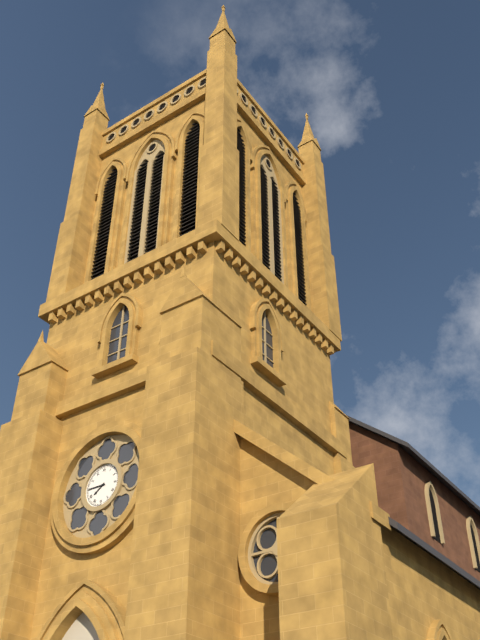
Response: 7:45
